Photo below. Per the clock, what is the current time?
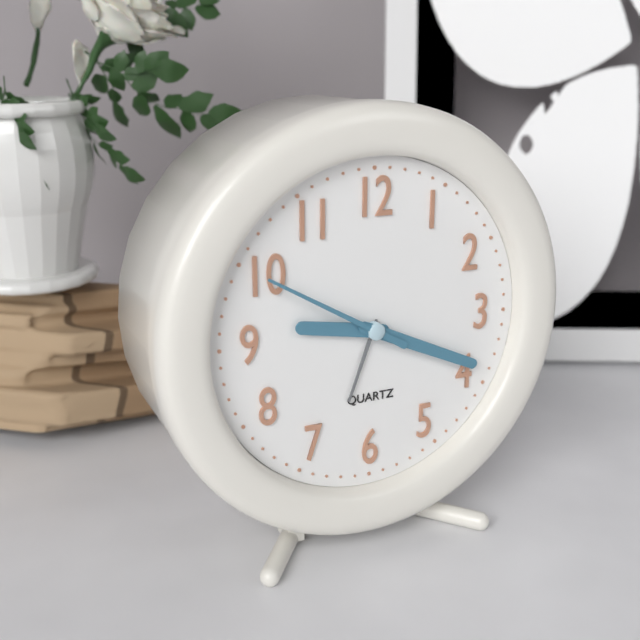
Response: 9:19:50
